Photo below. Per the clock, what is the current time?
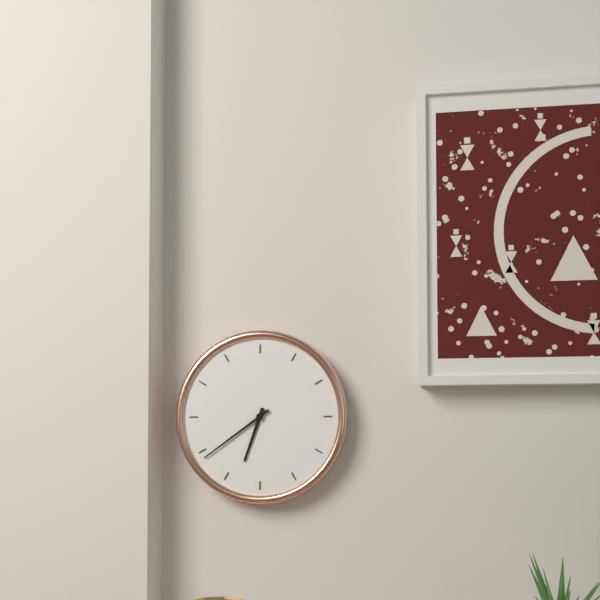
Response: 6:39
